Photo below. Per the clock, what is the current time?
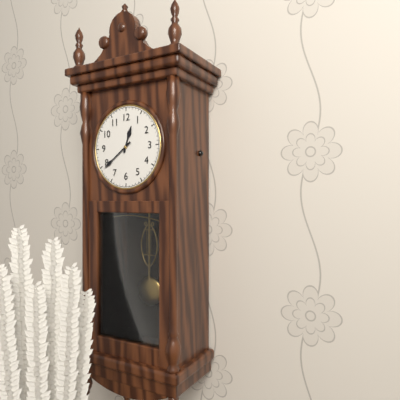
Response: 12:39
